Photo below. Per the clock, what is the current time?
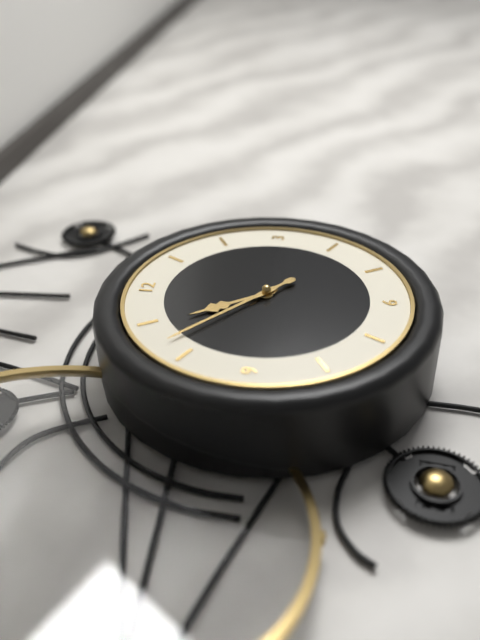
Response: 10:52
